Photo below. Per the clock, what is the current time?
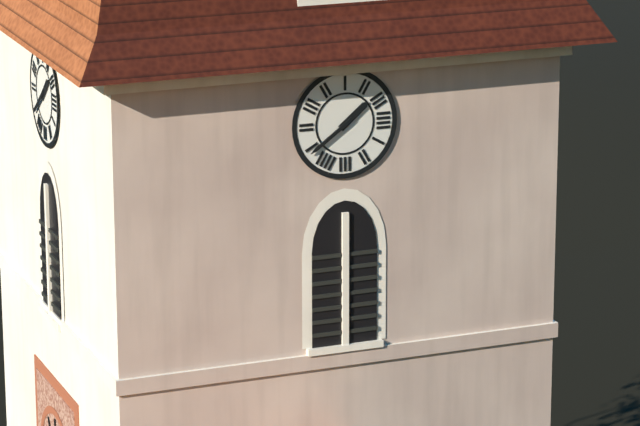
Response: 1:39
